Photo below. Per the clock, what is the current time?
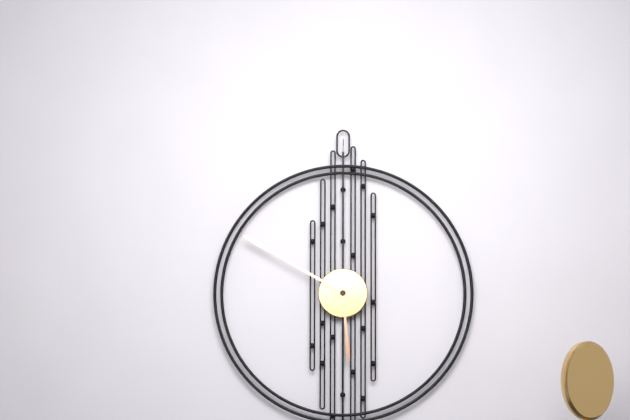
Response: 5:50
